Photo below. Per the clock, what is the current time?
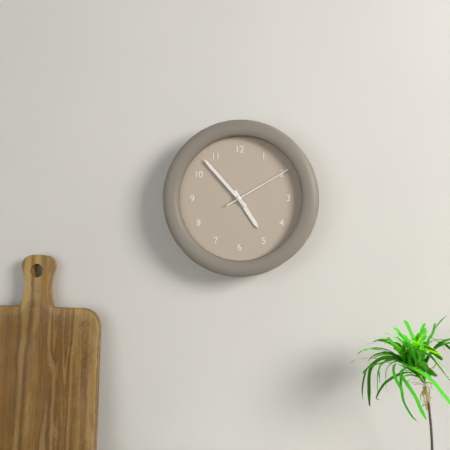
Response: 4:53:10
